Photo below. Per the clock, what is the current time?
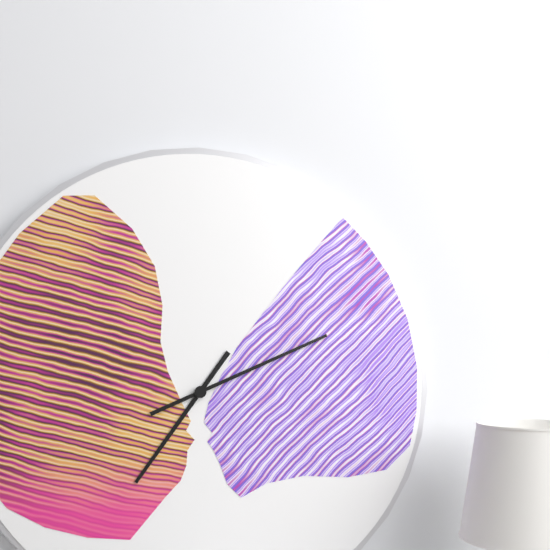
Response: 7:11
